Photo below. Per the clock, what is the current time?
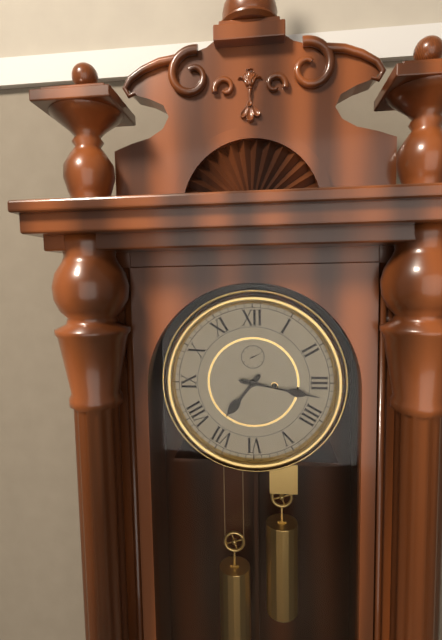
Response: 7:17
